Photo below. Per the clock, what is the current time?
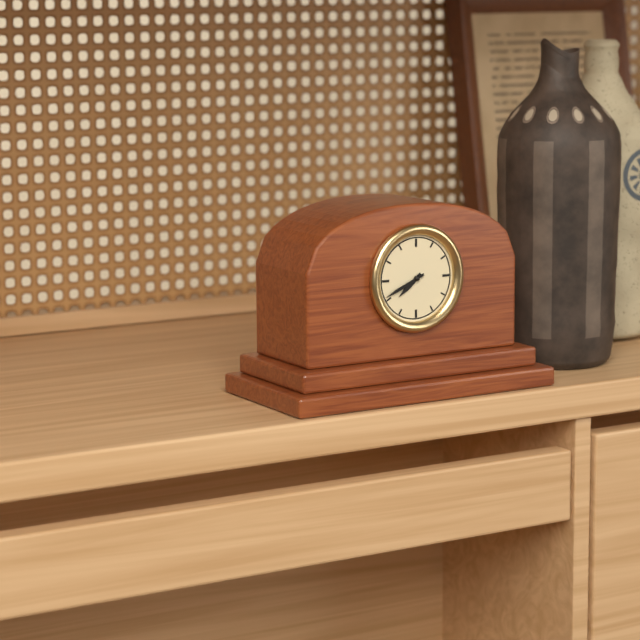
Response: 7:41
